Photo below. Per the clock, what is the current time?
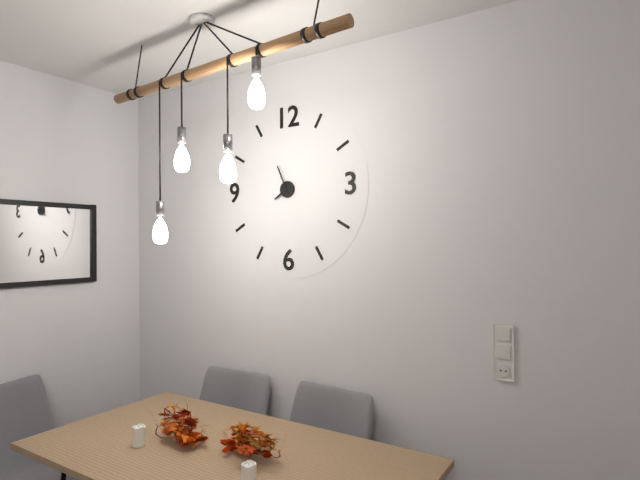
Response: 7:56
